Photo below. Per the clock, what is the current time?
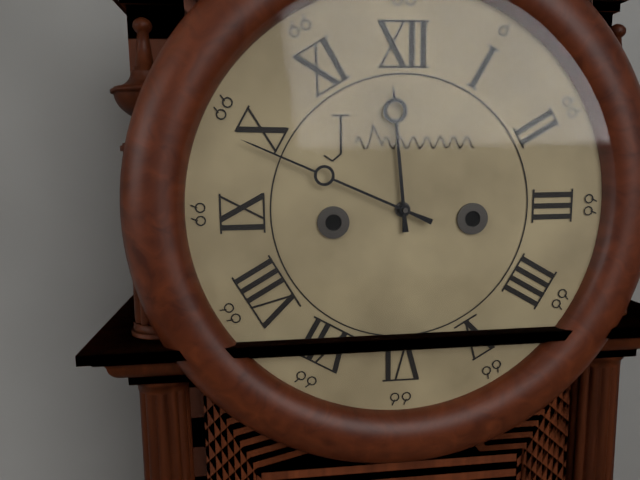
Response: 11:49
